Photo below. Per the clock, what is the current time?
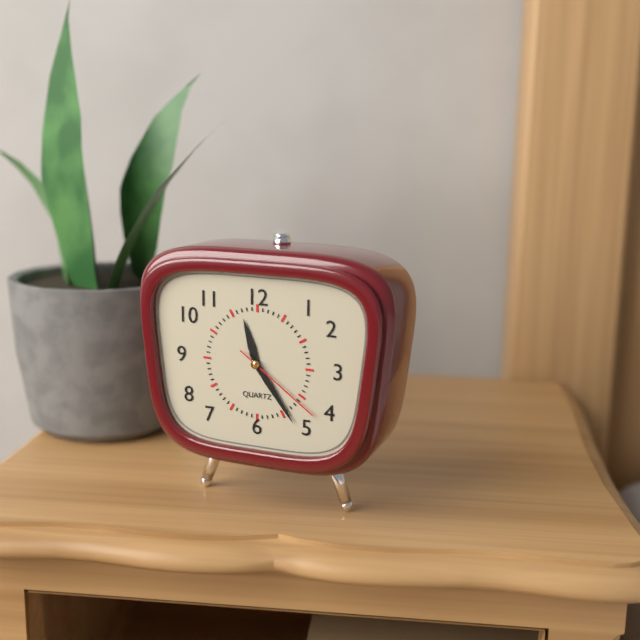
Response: 11:24:21
